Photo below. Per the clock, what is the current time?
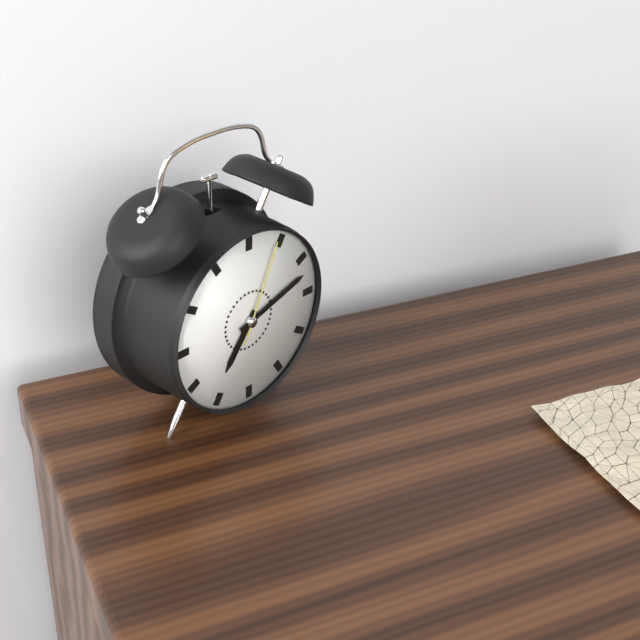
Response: 7:12:04
